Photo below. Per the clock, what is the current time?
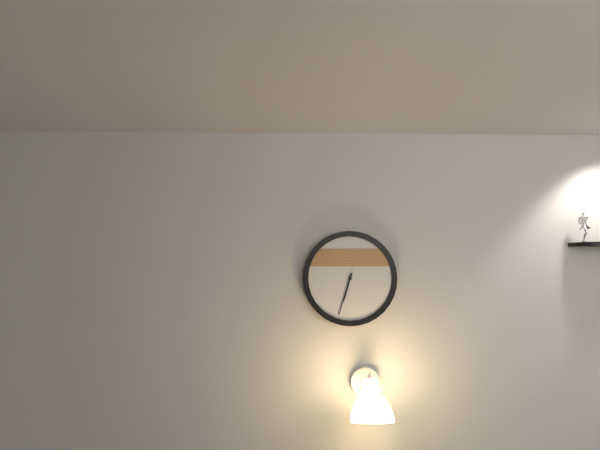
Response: 6:33
